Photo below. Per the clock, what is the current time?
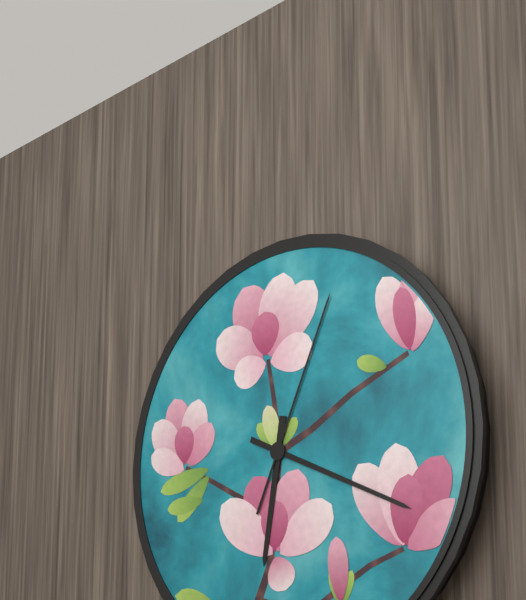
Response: 6:19:04
